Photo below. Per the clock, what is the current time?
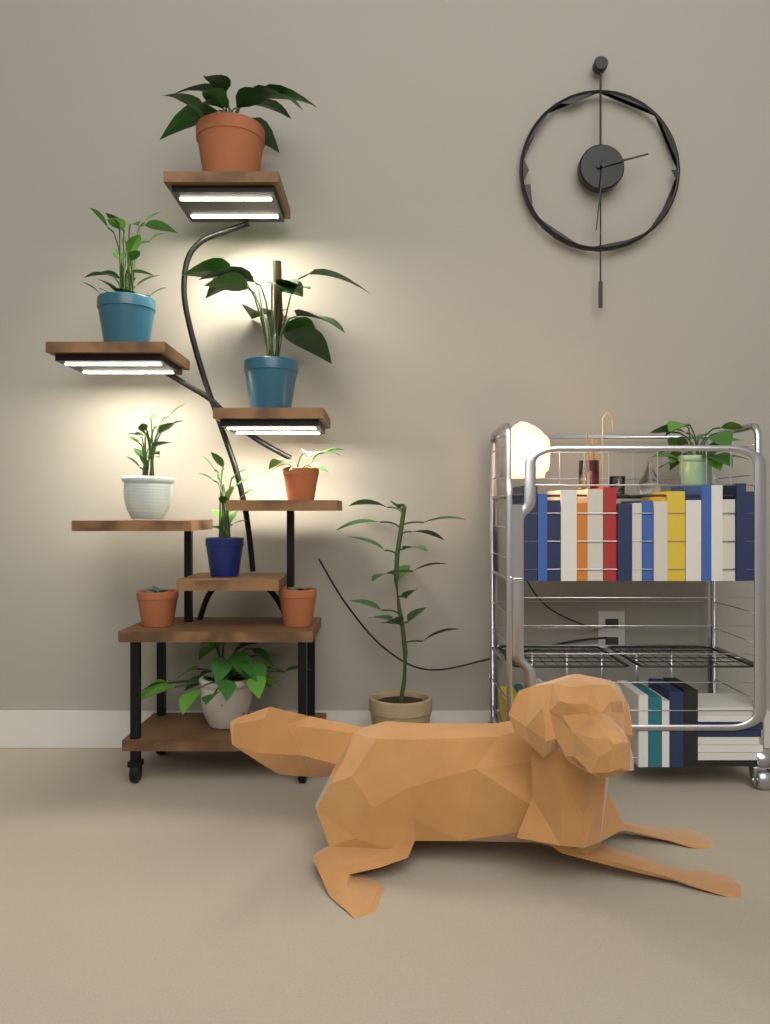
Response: 2:31
